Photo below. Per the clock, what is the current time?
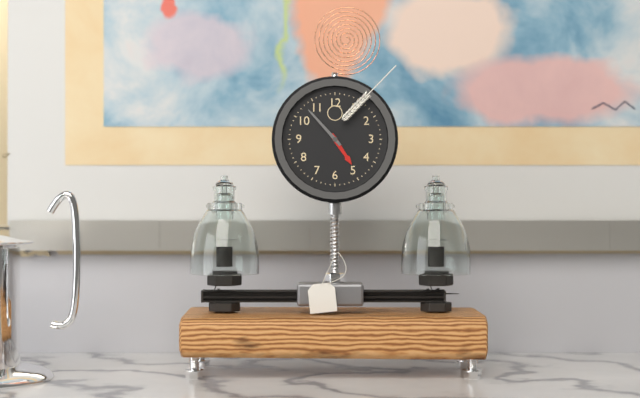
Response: 4:53
